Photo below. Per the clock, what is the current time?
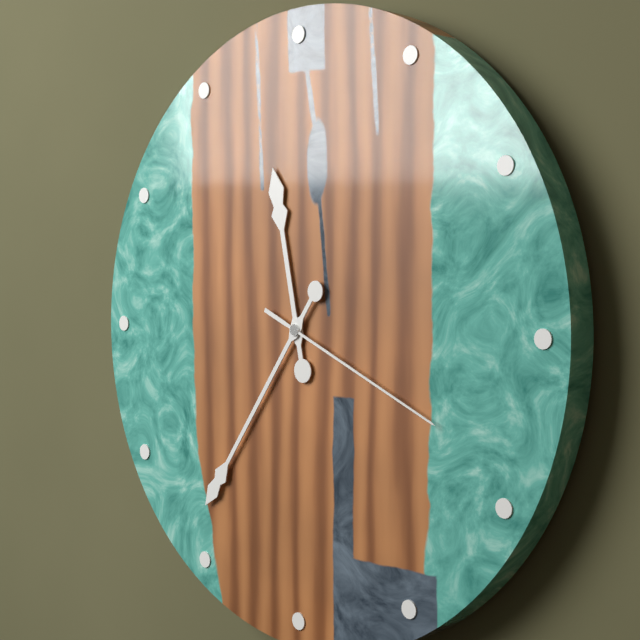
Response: 11:36:19
